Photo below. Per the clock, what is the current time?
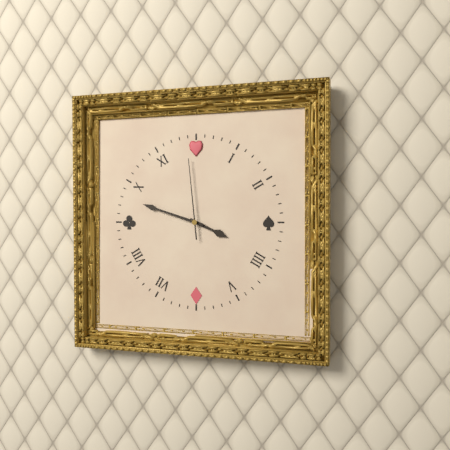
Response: 3:48:59
